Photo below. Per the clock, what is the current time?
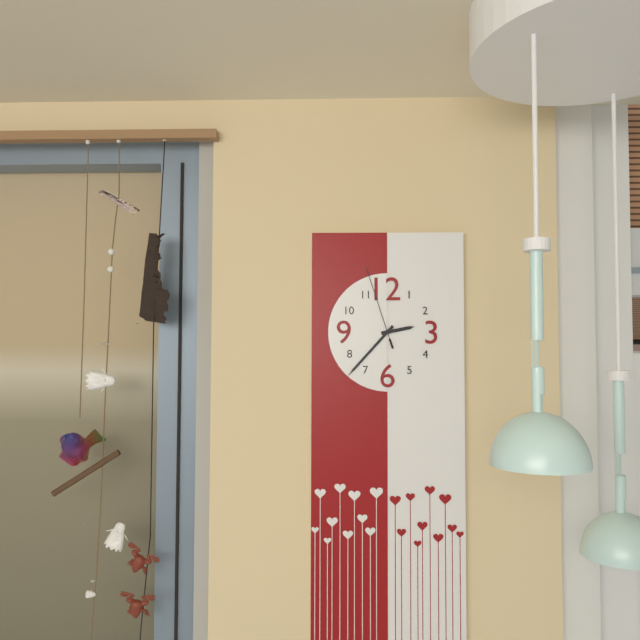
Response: 2:37:57
